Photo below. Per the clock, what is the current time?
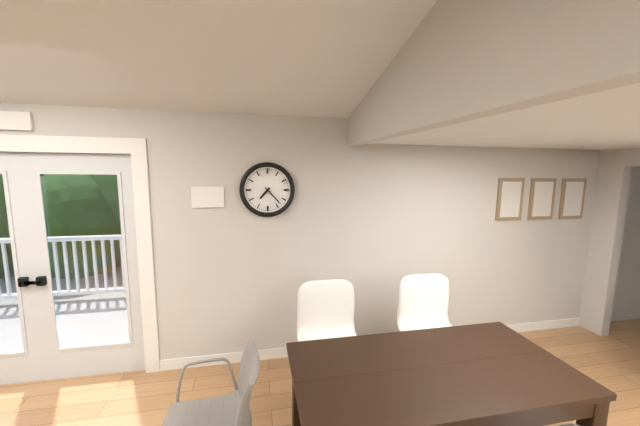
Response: 7:23
